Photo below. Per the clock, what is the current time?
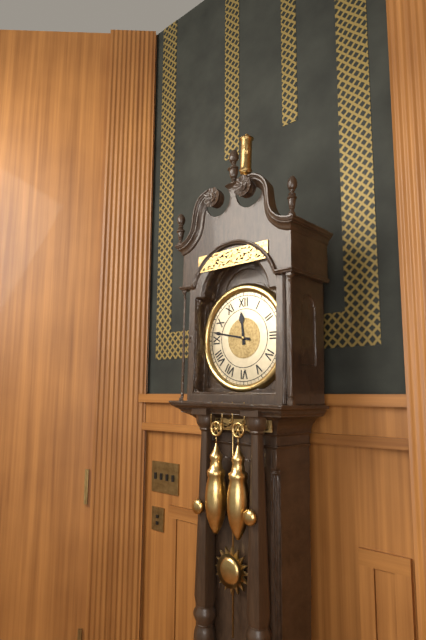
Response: 11:47
